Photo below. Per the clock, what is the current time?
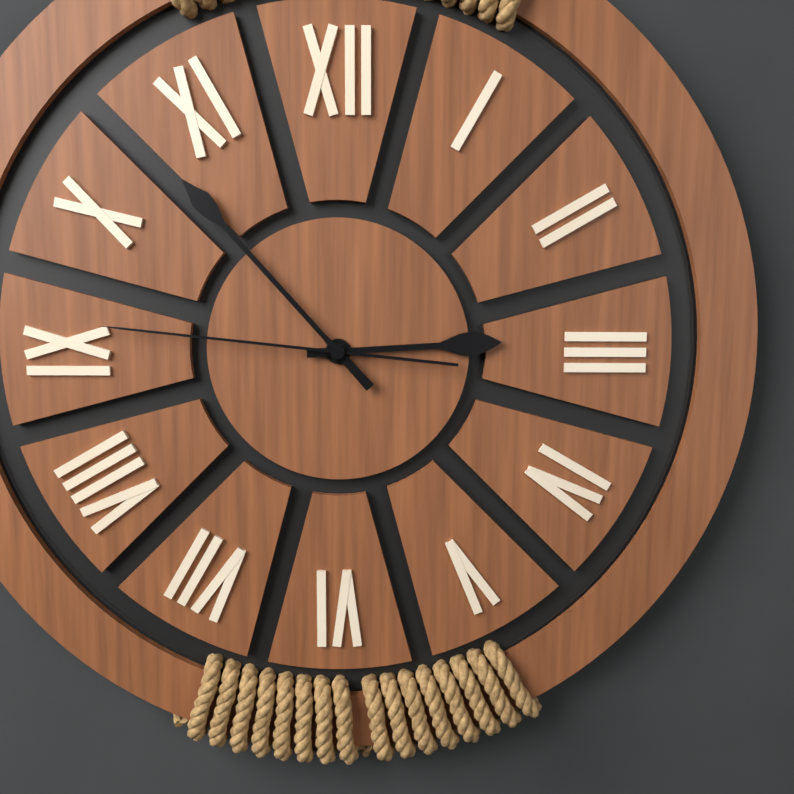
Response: 2:53:46
